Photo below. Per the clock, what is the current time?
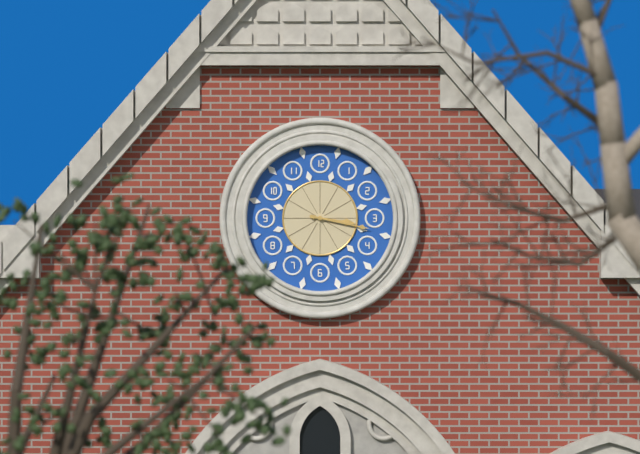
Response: 3:17
